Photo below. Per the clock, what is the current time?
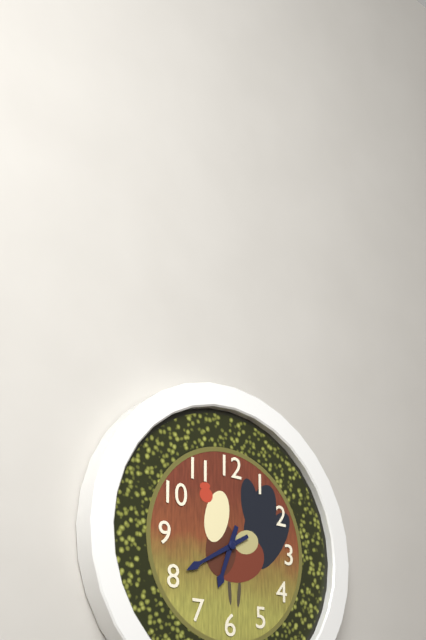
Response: 6:40
